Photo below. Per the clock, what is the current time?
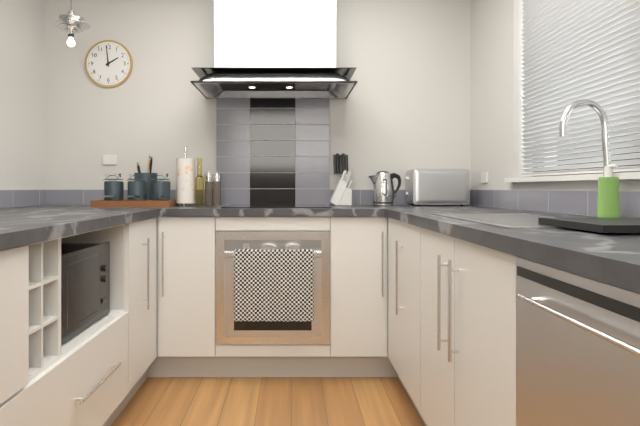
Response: 1:59
